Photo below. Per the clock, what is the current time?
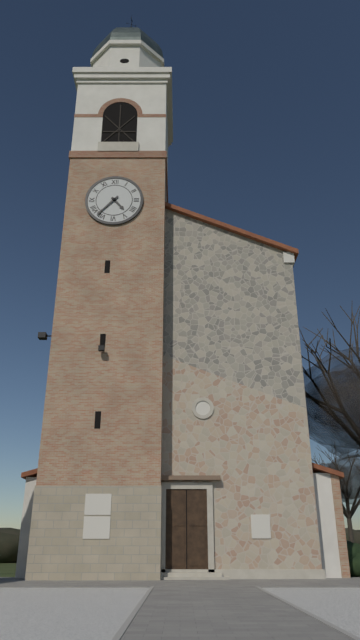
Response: 4:37
